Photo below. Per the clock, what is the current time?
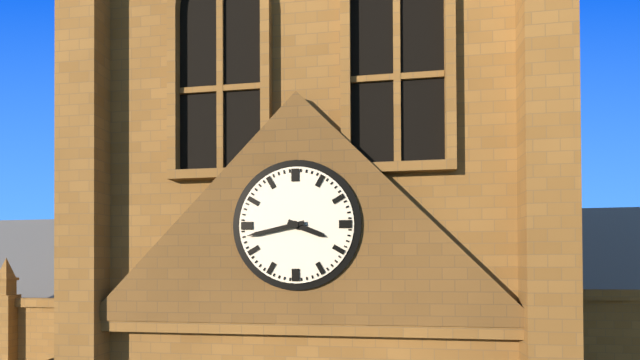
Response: 3:43
